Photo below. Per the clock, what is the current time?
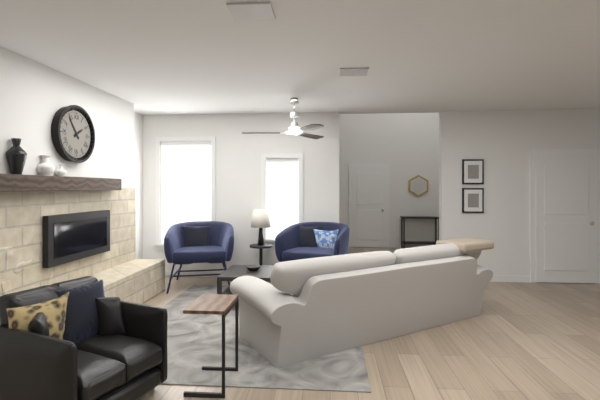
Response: 1:54
